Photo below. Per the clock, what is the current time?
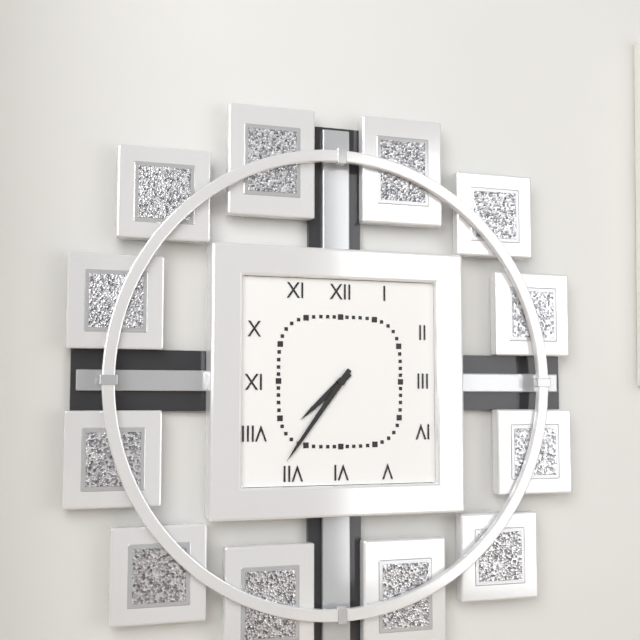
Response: 7:36
